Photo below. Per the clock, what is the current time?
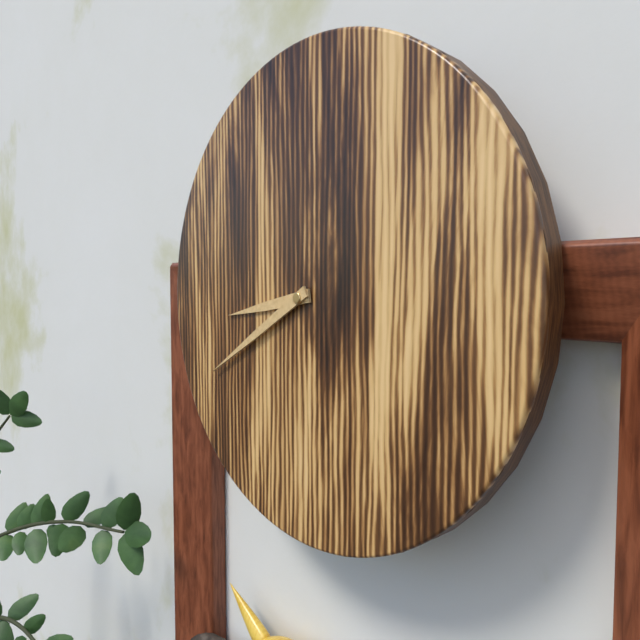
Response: 8:40
